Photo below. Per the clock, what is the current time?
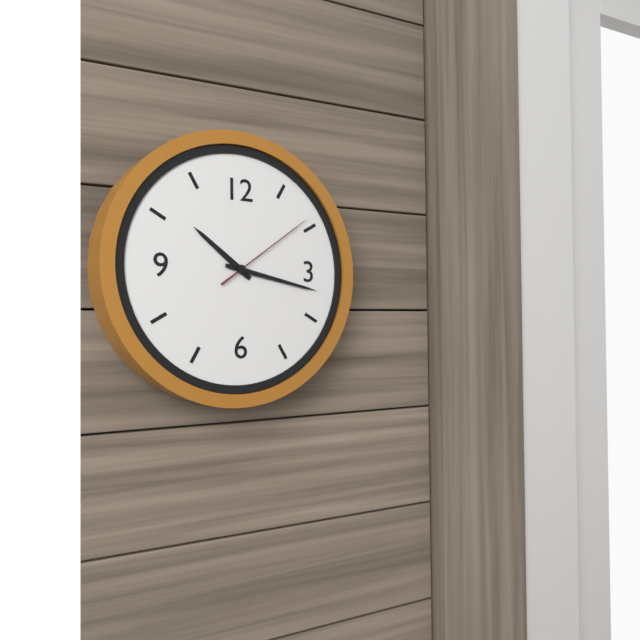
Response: 10:17:09
